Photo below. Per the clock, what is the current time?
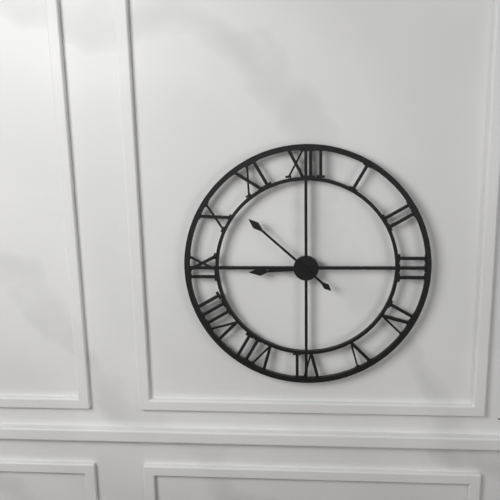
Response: 8:52
